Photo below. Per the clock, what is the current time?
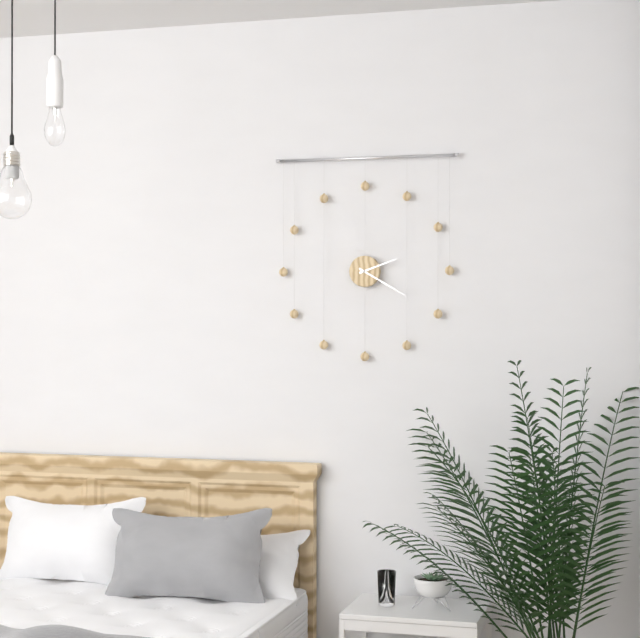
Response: 2:20
